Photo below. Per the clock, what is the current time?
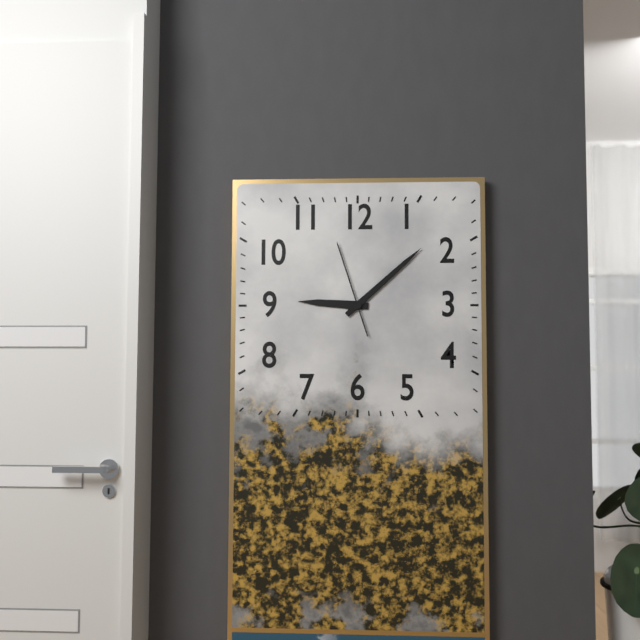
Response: 9:08:57
